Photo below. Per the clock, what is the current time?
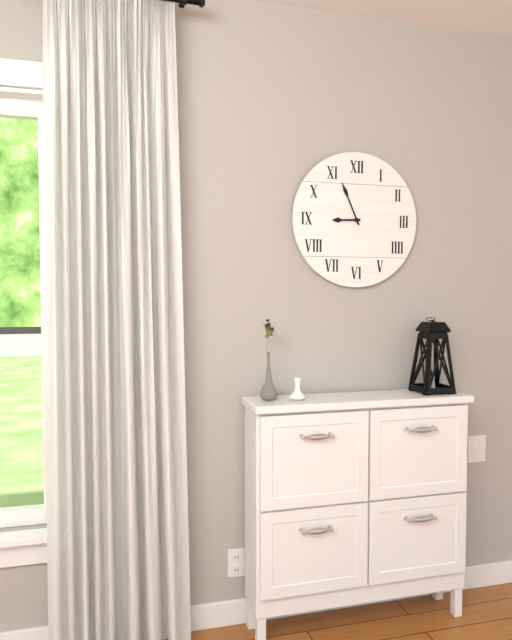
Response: 8:56
